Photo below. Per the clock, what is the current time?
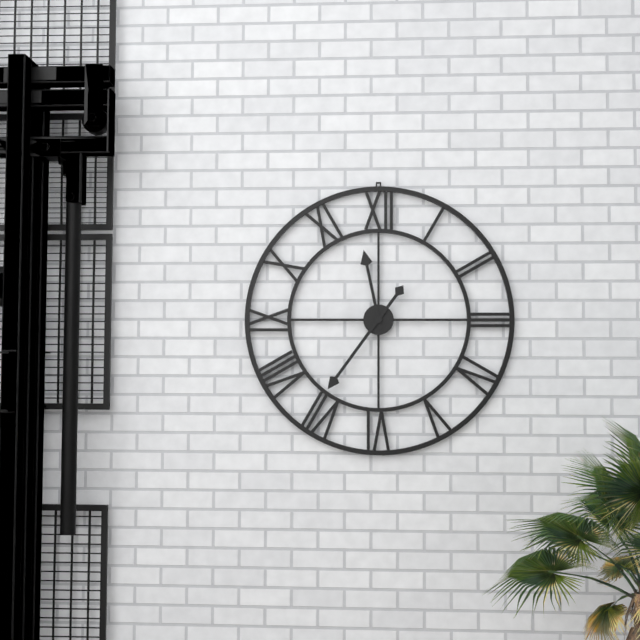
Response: 11:36
